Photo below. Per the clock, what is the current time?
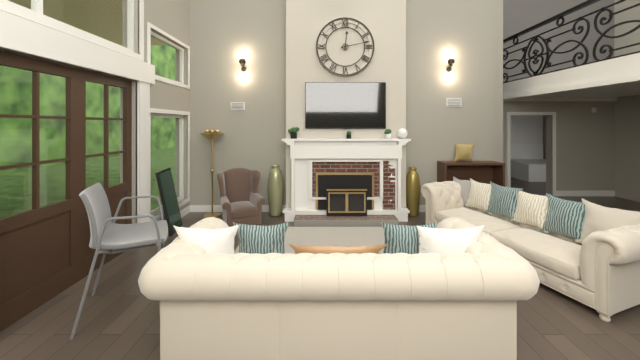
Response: 12:13
